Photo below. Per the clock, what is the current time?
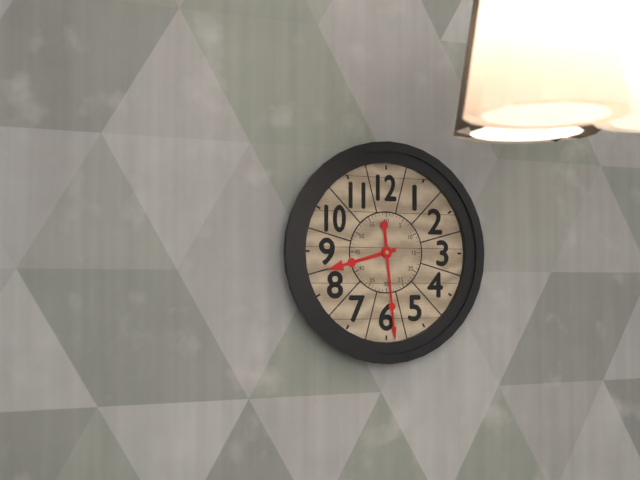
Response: 8:29
